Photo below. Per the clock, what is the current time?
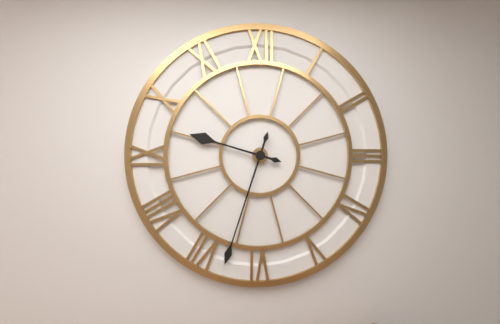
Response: 9:33
